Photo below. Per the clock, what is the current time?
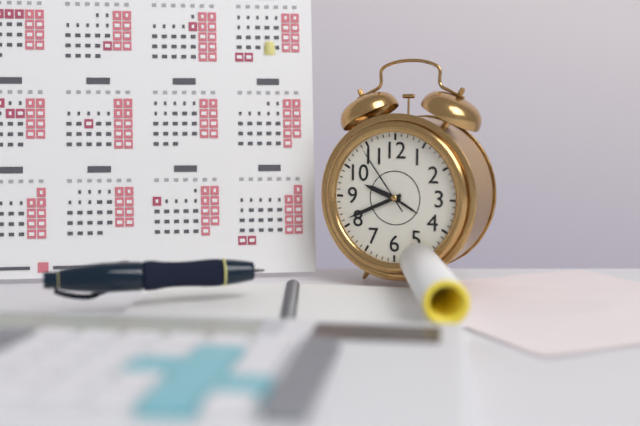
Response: 9:41:54
